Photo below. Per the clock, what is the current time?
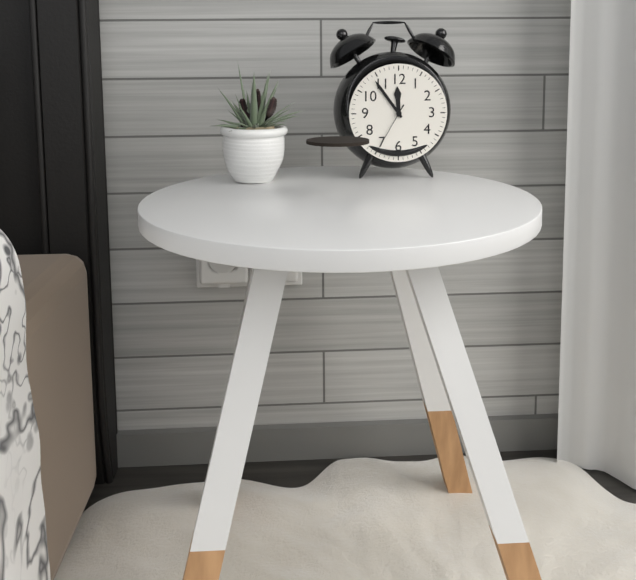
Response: 11:54:35
